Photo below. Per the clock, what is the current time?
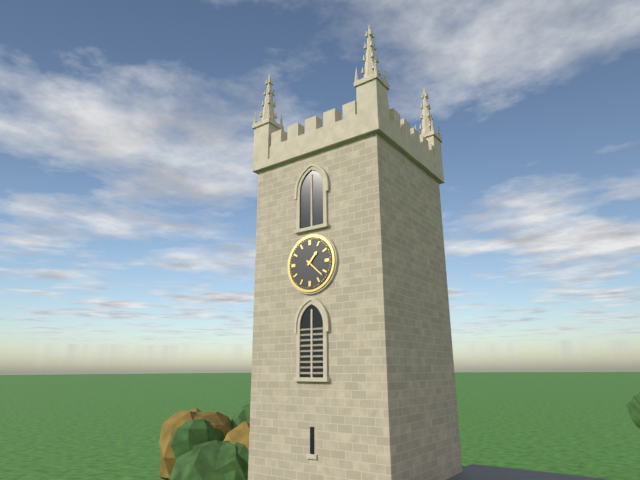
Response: 1:22
